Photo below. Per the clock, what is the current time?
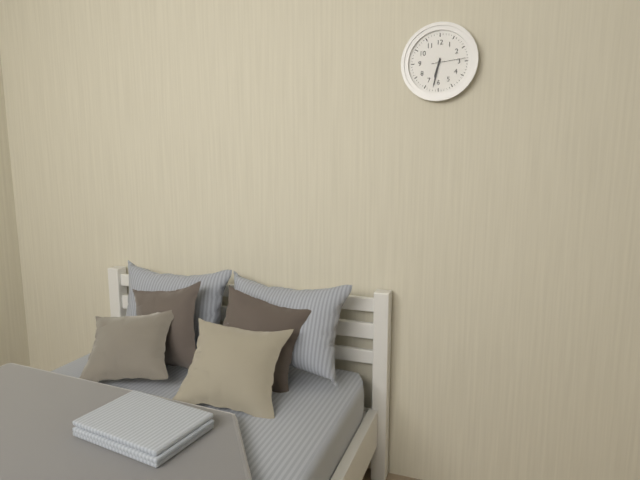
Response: 6:32
